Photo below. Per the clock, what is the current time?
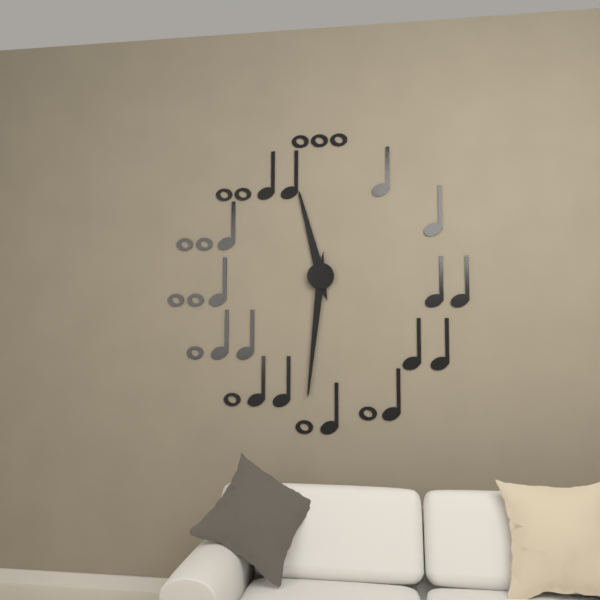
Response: 11:31
